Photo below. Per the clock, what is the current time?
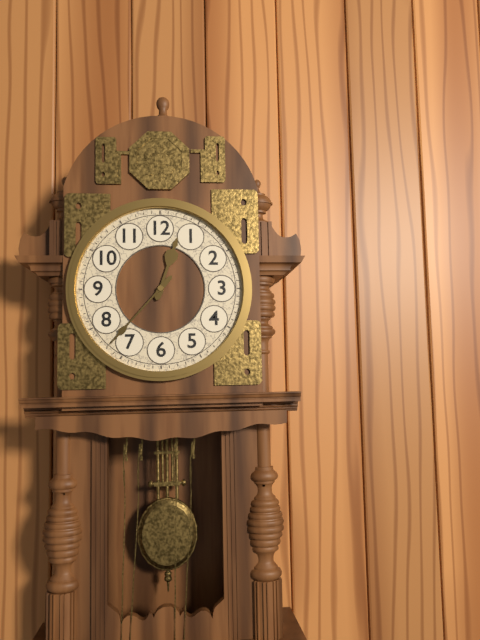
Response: 12:37
